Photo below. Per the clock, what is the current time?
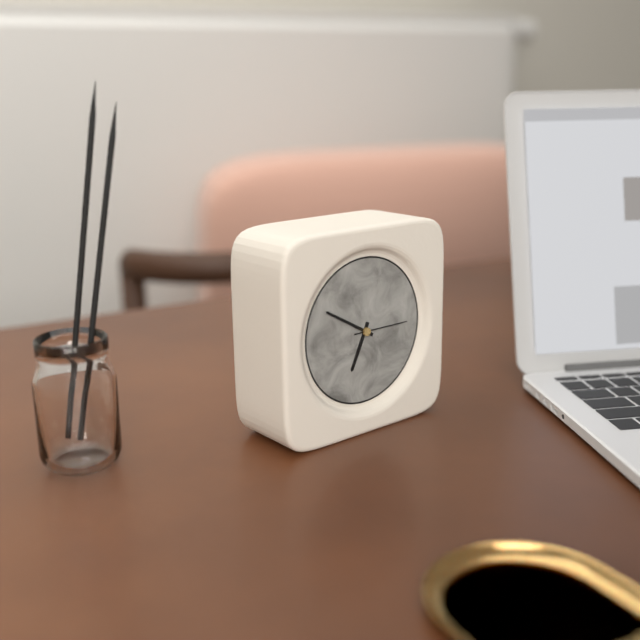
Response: 6:50:15
